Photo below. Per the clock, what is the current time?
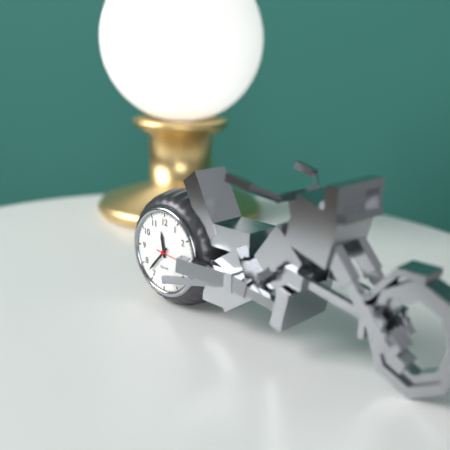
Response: 11:37
